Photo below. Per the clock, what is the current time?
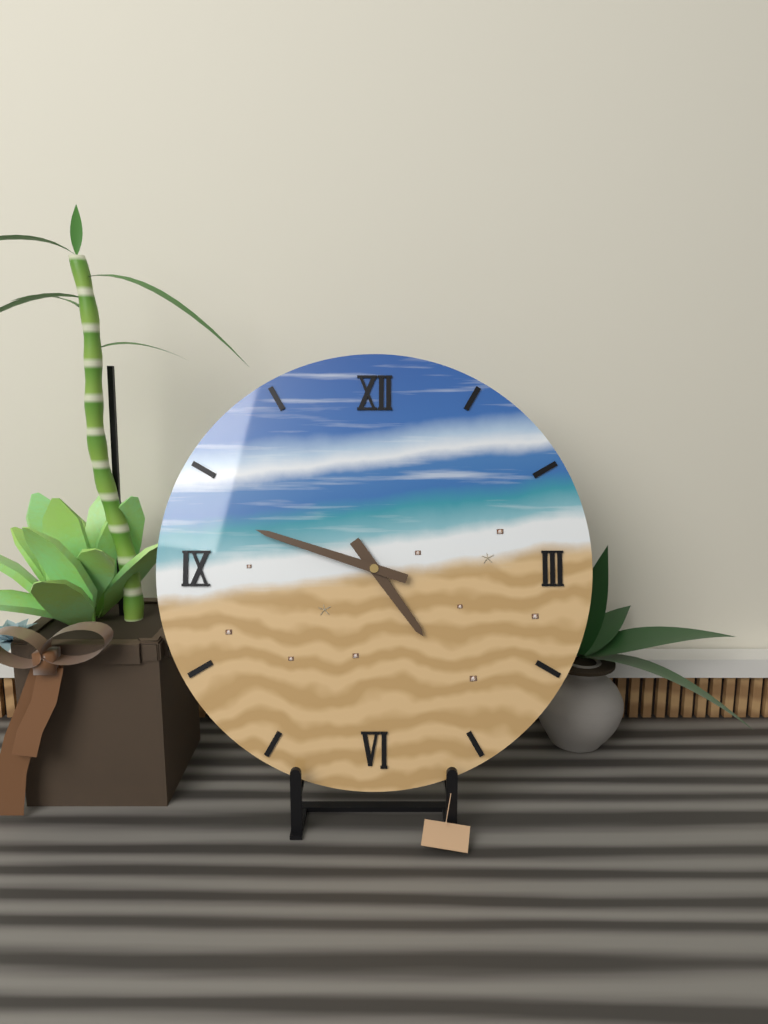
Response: 4:48
